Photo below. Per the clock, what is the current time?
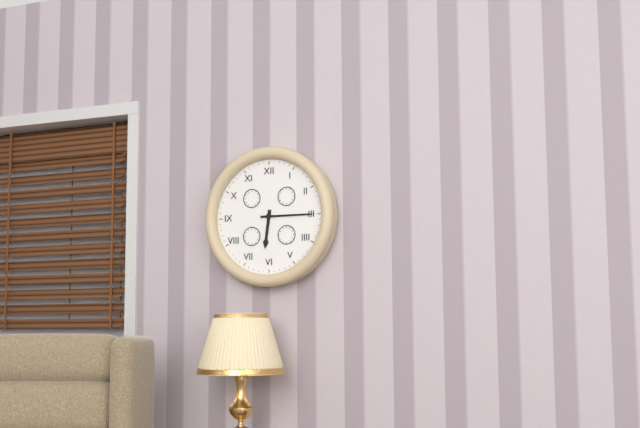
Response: 6:15
